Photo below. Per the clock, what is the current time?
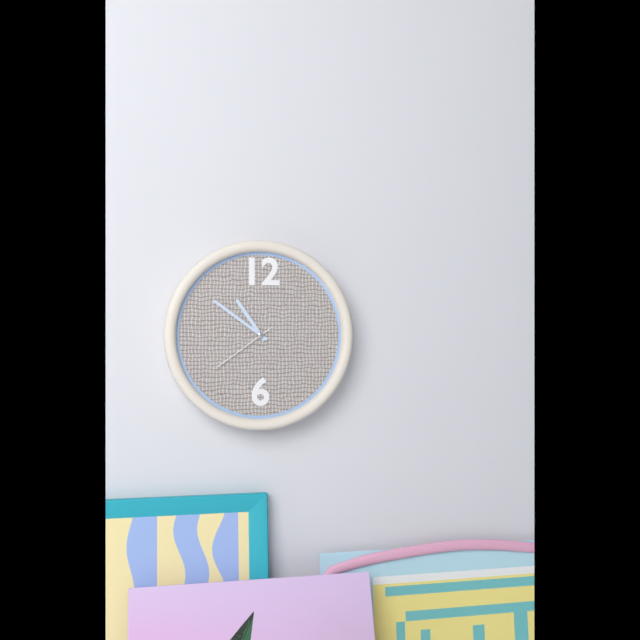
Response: 10:51:39
